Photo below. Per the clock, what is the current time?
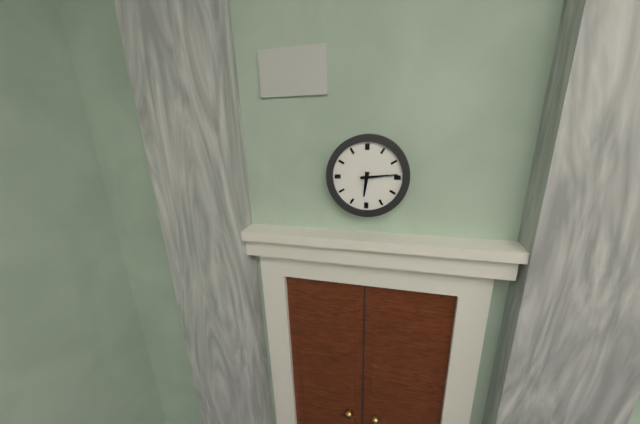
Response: 6:14
